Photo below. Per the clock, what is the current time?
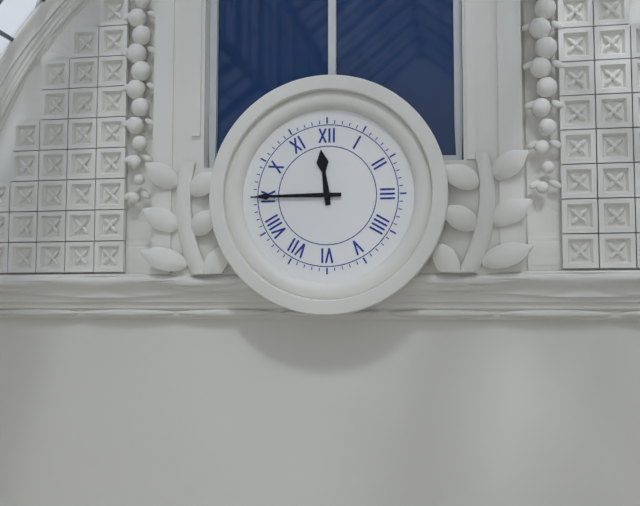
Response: 11:45
